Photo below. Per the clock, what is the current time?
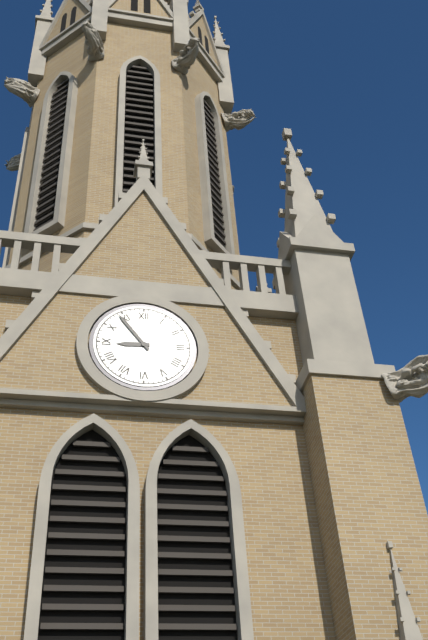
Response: 8:54
